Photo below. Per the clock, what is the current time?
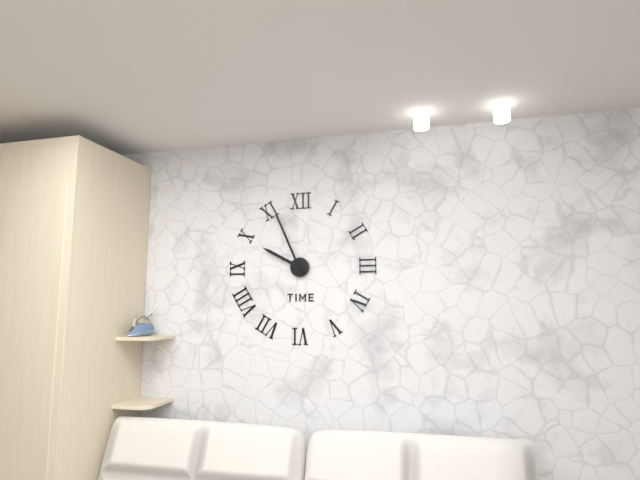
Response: 9:56
